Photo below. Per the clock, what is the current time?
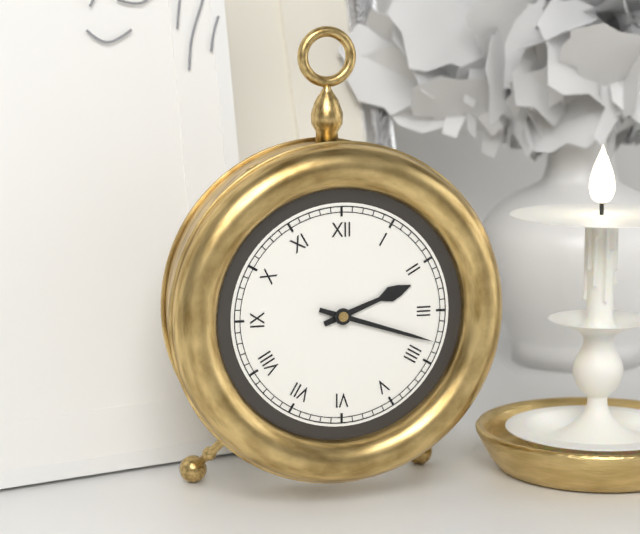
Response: 2:18
